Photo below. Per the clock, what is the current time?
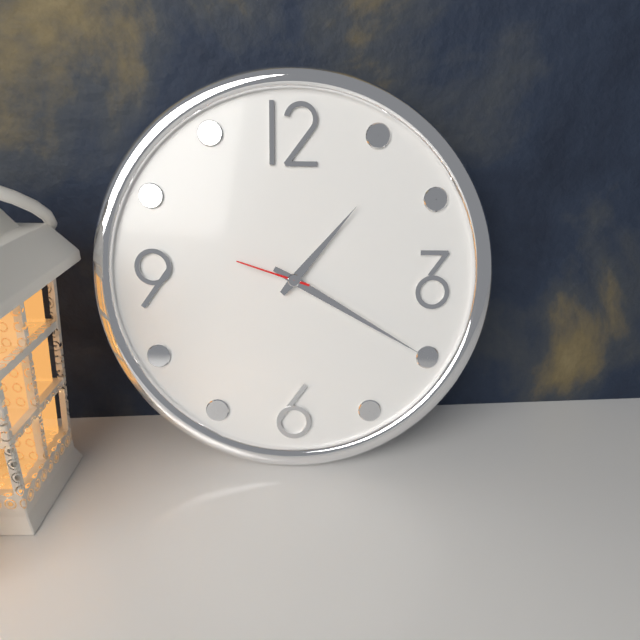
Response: 1:20:48
